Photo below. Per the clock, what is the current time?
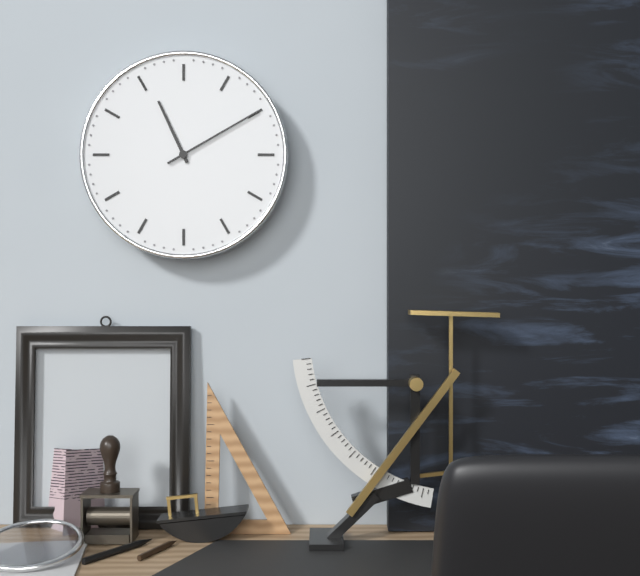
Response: 11:10
